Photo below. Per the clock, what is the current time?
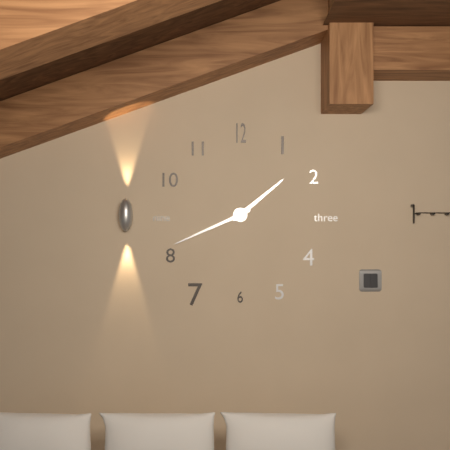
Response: 1:41
